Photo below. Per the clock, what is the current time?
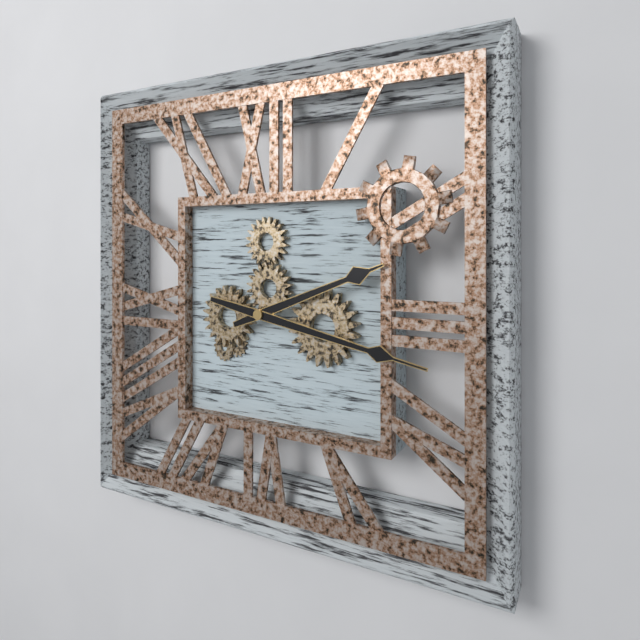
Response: 2:17
